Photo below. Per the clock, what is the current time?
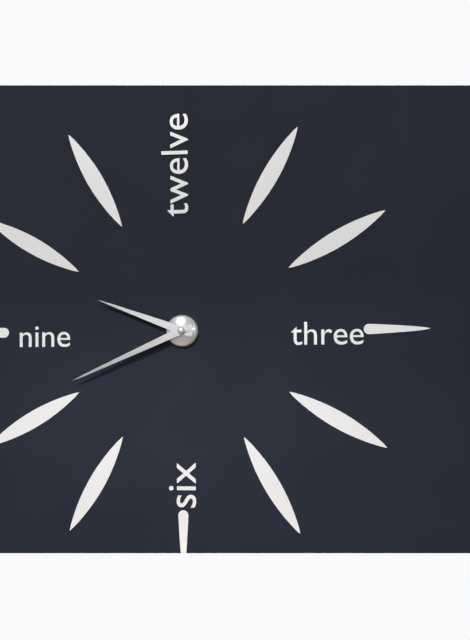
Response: 9:41
